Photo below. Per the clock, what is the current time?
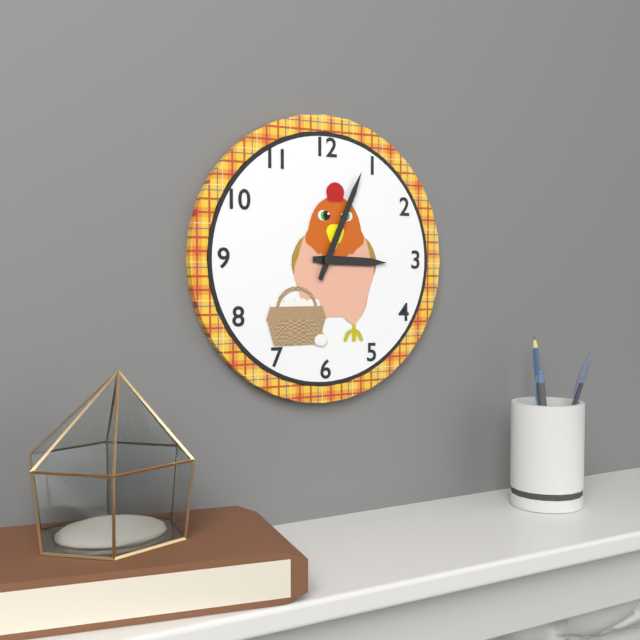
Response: 3:04
